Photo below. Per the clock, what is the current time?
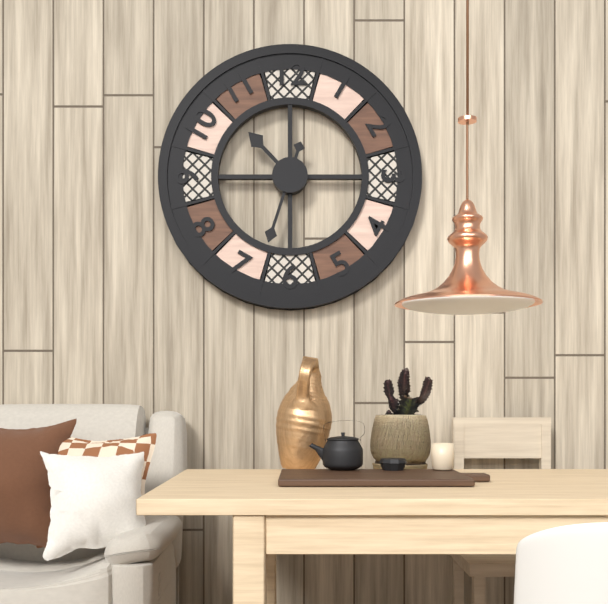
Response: 10:33
